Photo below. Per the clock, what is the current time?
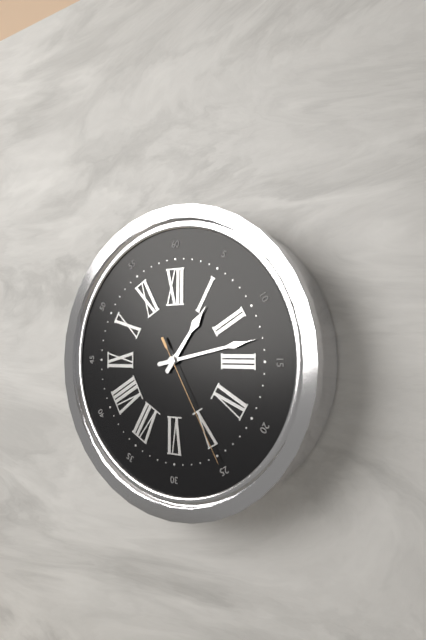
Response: 1:13:25
